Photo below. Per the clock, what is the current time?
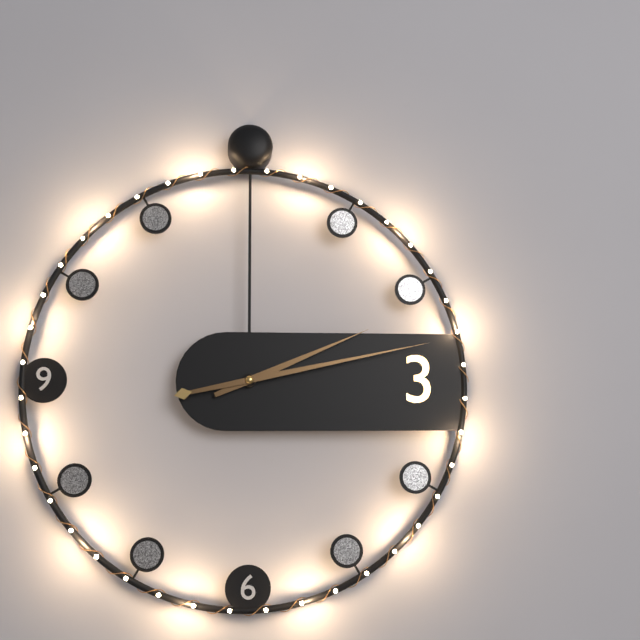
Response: 2:13
